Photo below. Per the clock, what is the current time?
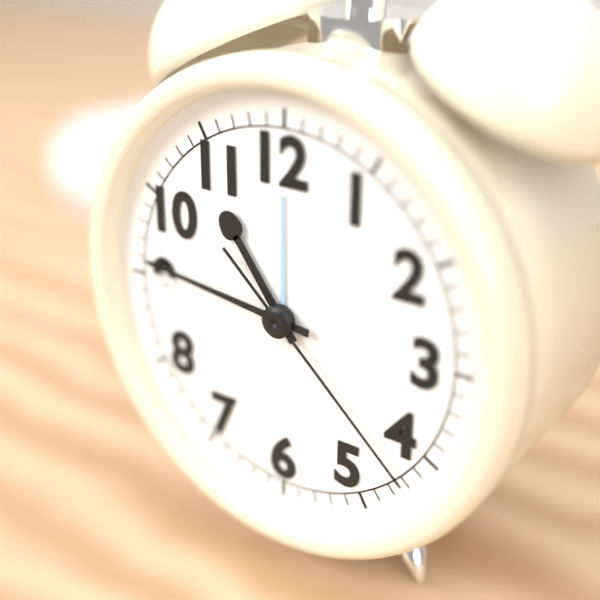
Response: 10:46:22
